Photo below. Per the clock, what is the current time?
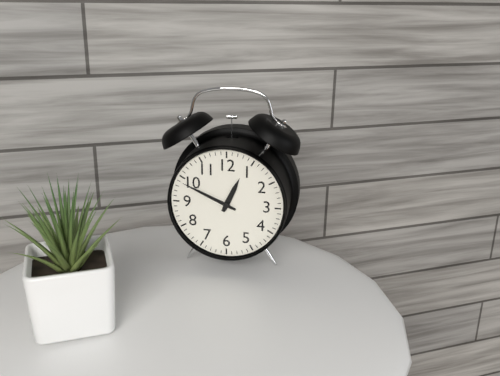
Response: 12:49
